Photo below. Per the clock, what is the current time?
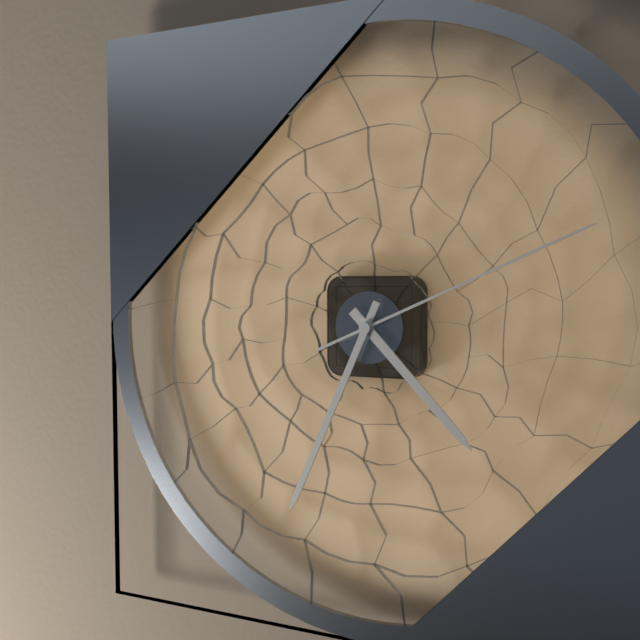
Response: 4:34:11
